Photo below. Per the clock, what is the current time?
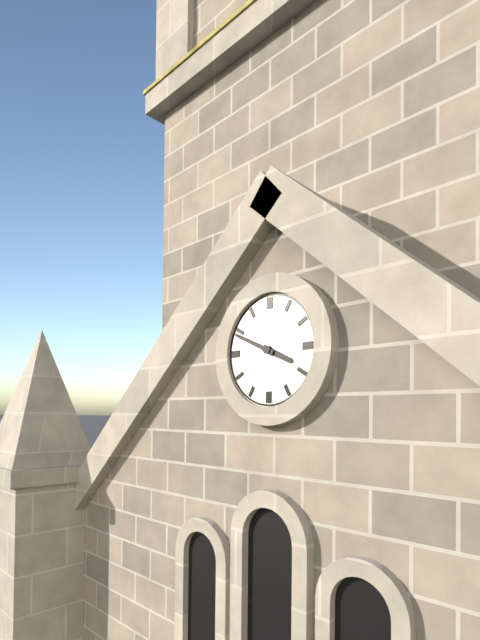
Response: 3:49
